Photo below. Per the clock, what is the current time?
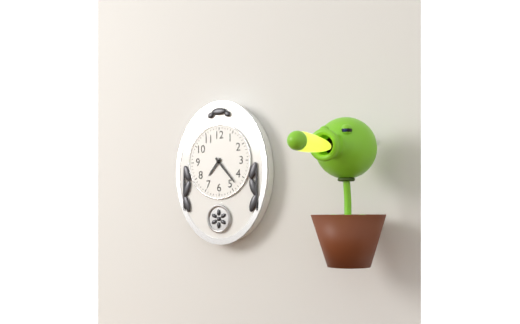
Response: 7:23
